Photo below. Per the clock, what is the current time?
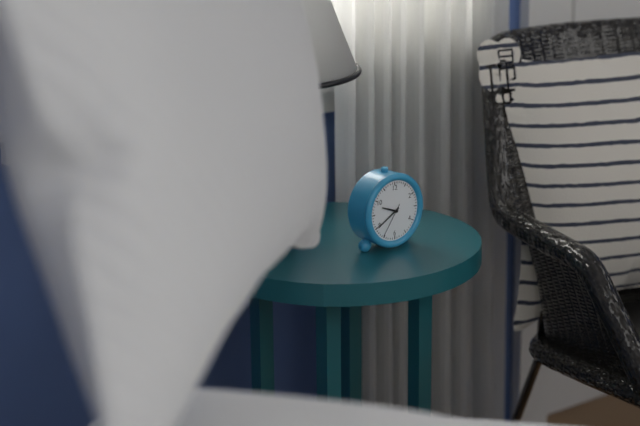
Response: 9:40
